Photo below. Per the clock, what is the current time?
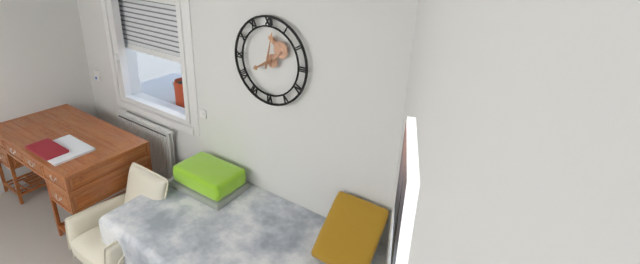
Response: 8:02
